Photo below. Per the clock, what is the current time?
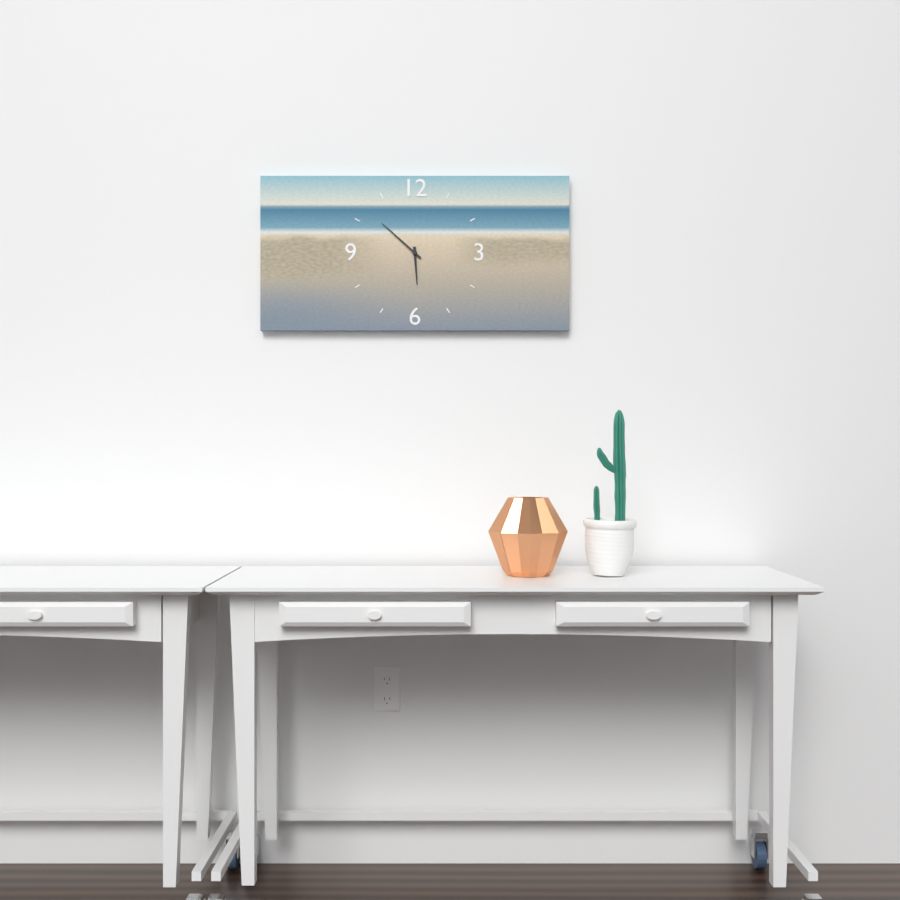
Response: 5:52
